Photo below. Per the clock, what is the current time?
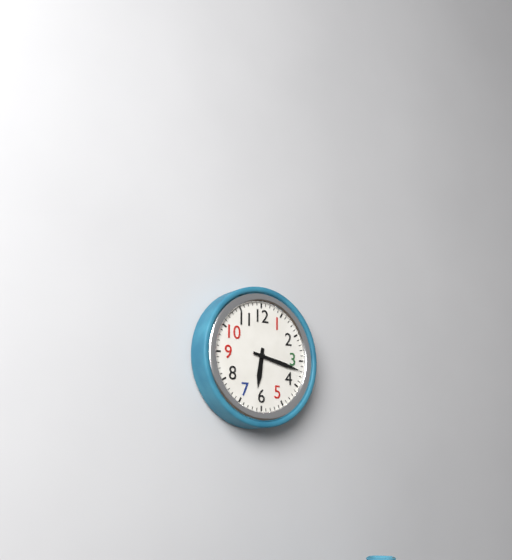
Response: 6:17
